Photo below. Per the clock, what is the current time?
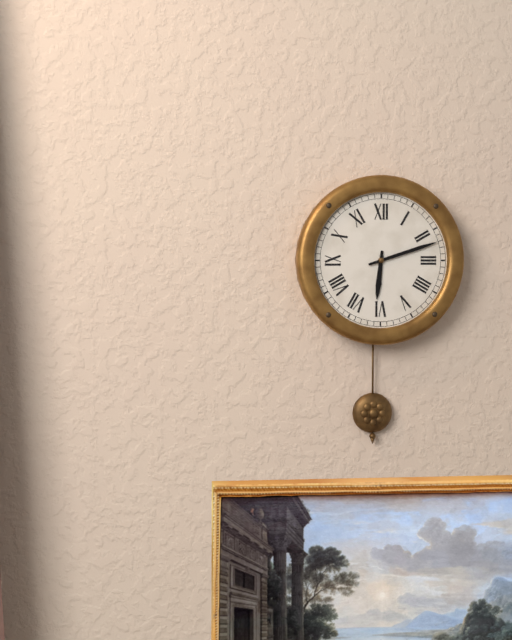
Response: 6:12
